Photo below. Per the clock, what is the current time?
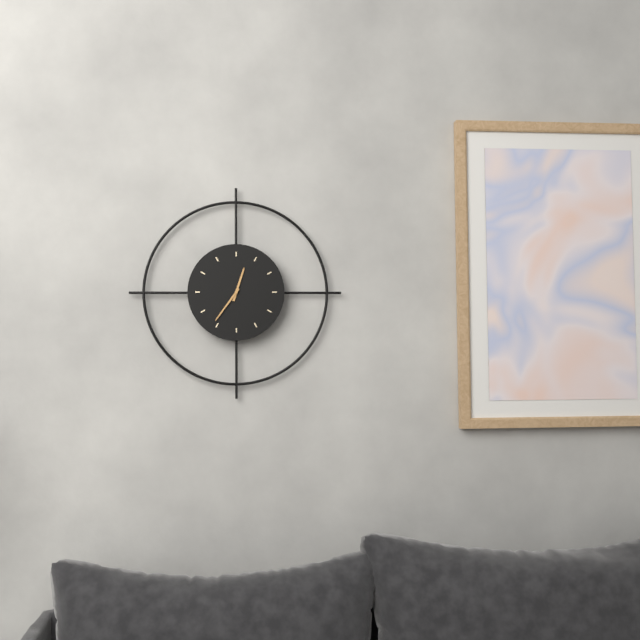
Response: 12:36
